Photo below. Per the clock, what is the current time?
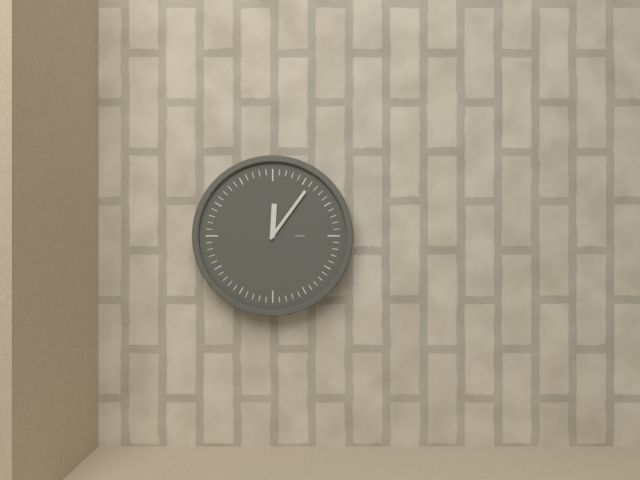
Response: 12:06
